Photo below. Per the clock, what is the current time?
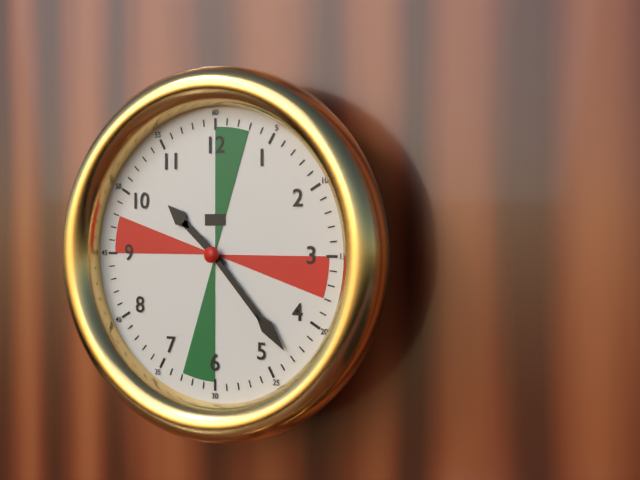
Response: 10:23
